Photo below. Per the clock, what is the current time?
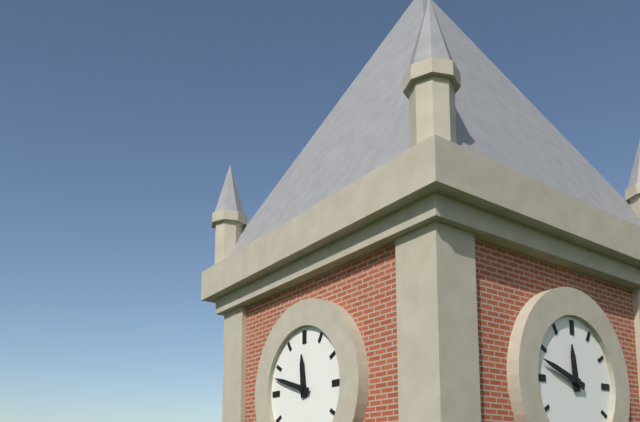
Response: 11:48
